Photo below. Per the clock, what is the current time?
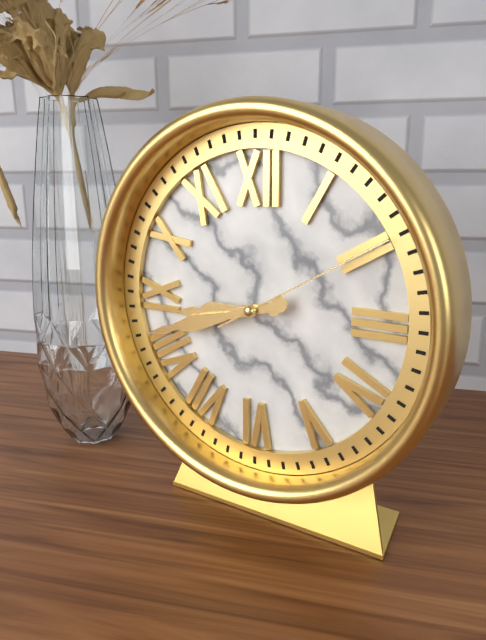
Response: 8:42:10
